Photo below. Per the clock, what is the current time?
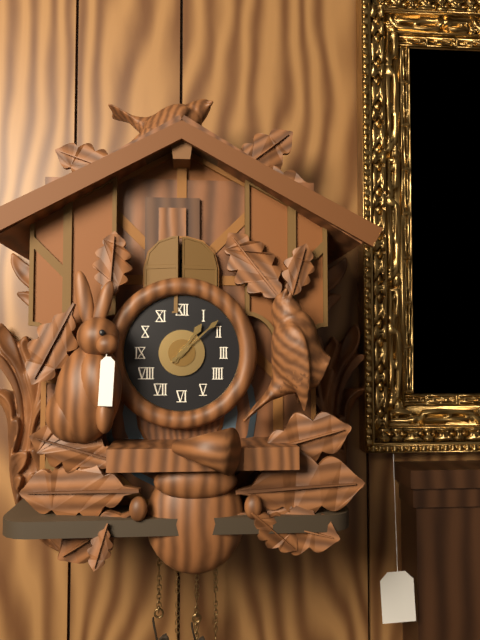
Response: 1:08
